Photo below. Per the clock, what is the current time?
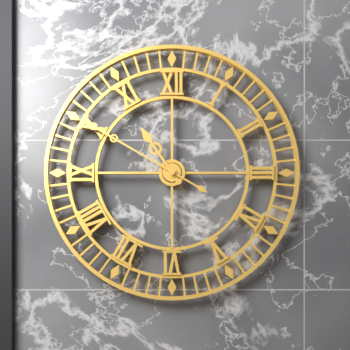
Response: 10:50
